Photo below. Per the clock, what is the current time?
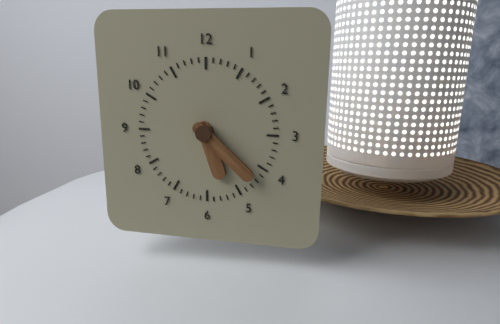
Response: 5:22
